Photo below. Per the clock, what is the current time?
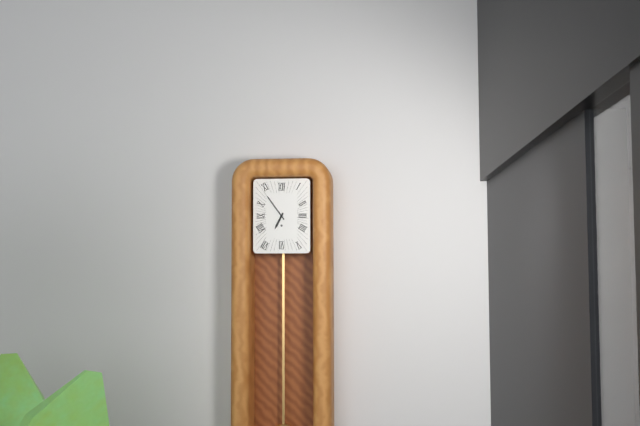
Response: 6:54
